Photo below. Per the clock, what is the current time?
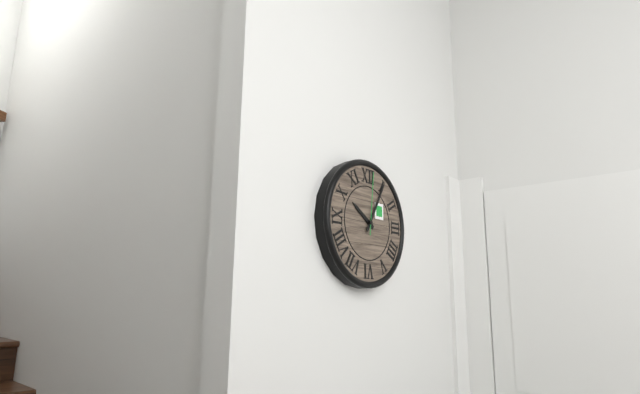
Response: 10:05:01
